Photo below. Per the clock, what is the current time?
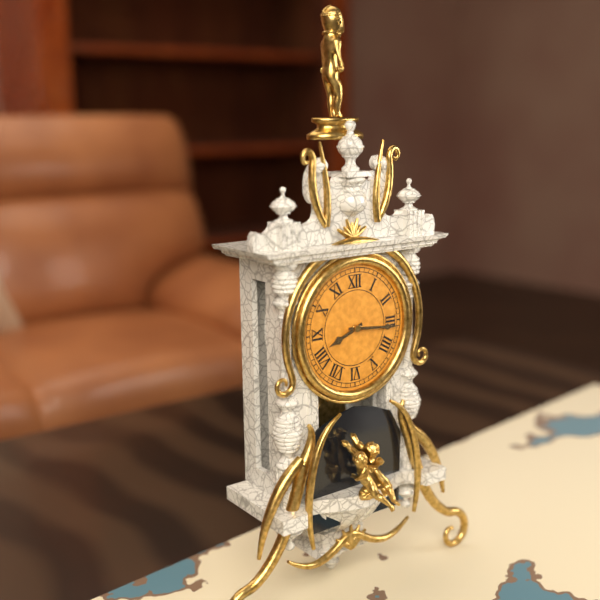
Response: 8:16
